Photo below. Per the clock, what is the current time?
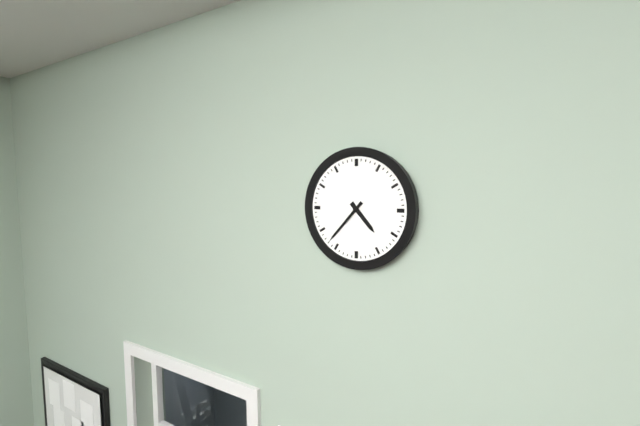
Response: 4:37
